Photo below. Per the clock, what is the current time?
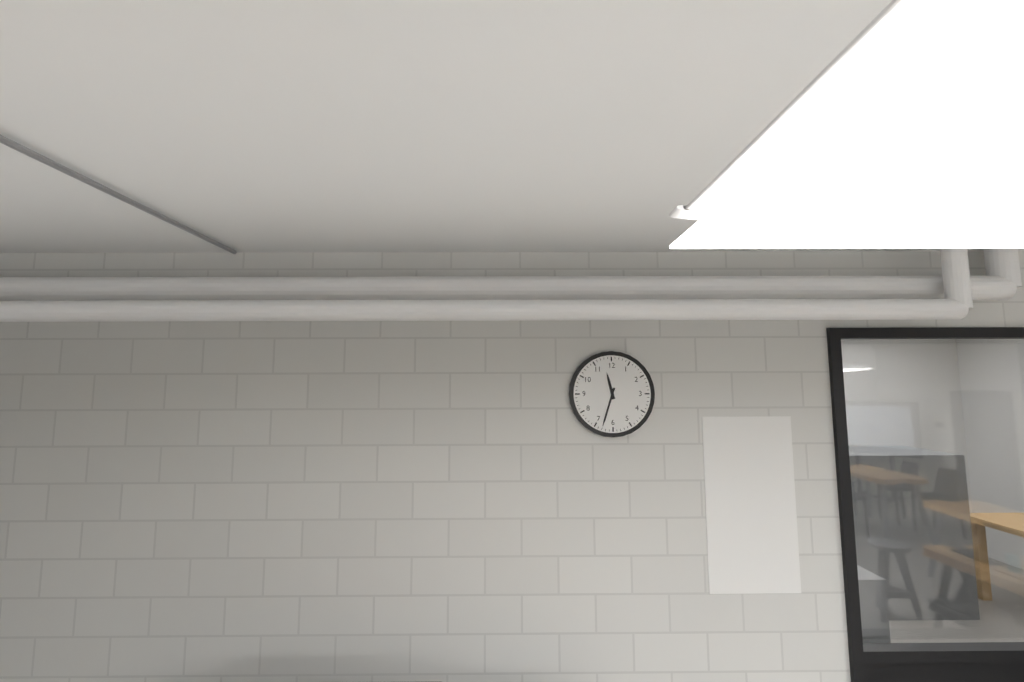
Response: 11:33
